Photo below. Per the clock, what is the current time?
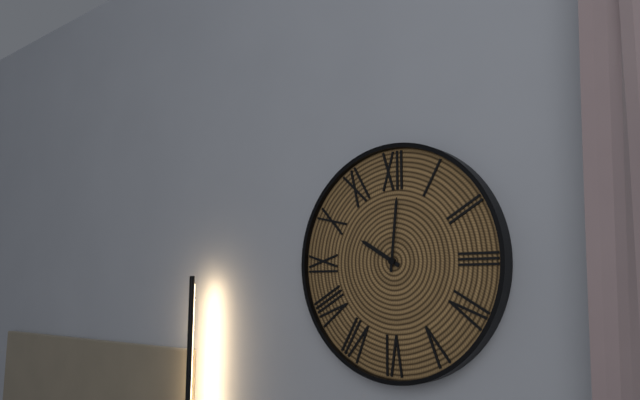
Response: 10:01
